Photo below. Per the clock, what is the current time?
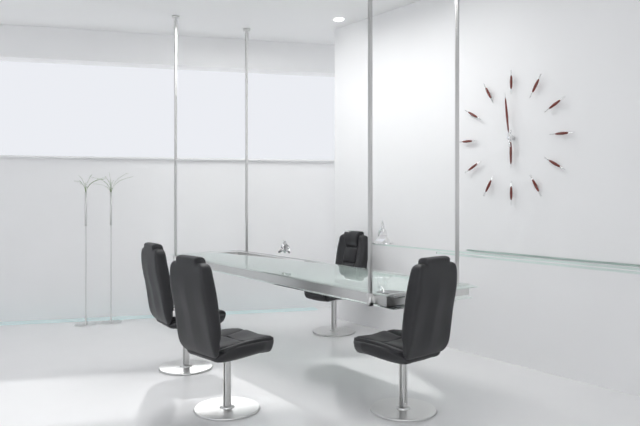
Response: 5:59
